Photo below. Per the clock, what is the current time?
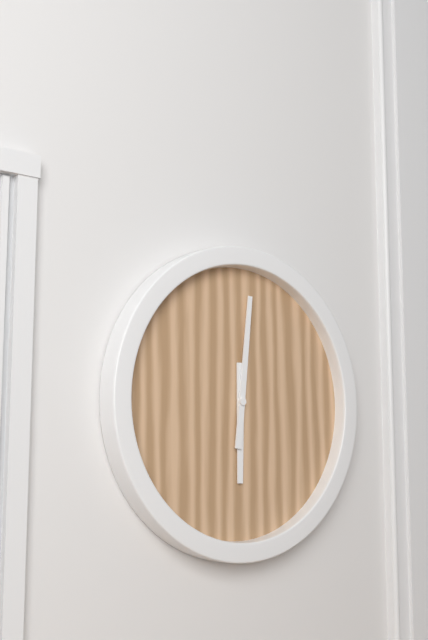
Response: 6:01
